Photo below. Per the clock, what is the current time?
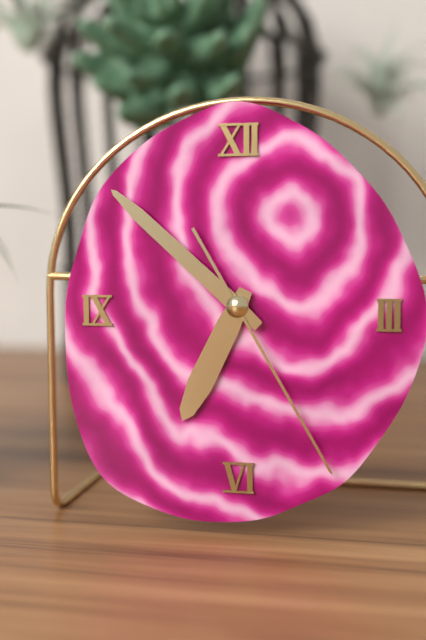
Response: 6:52:25
